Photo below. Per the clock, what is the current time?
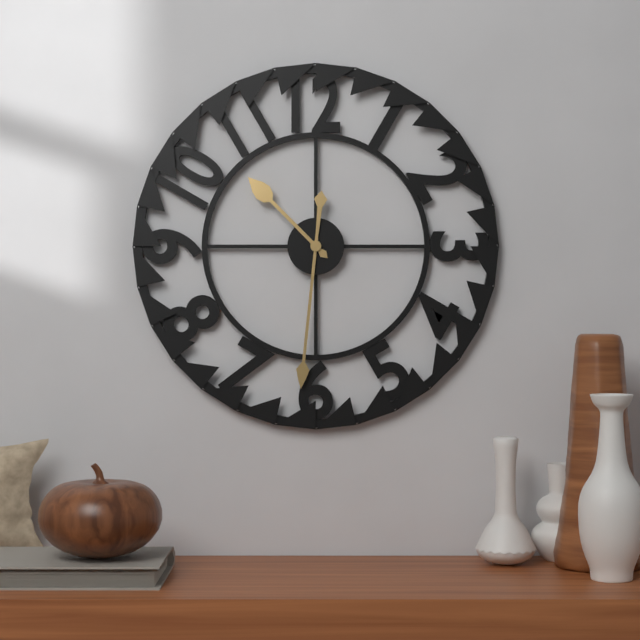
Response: 10:31
